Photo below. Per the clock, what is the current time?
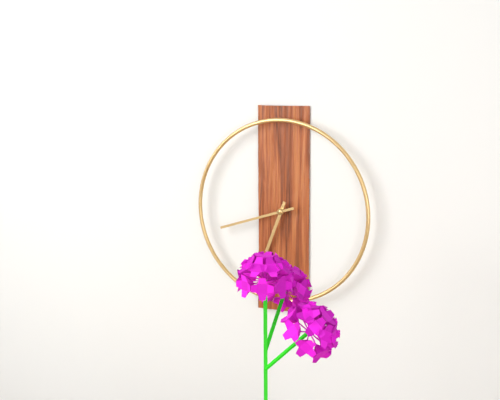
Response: 6:42
